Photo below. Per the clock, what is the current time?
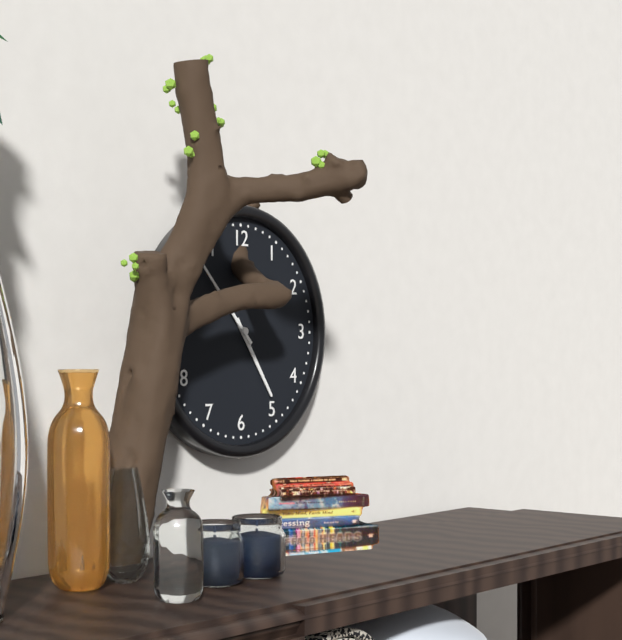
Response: 4:53
